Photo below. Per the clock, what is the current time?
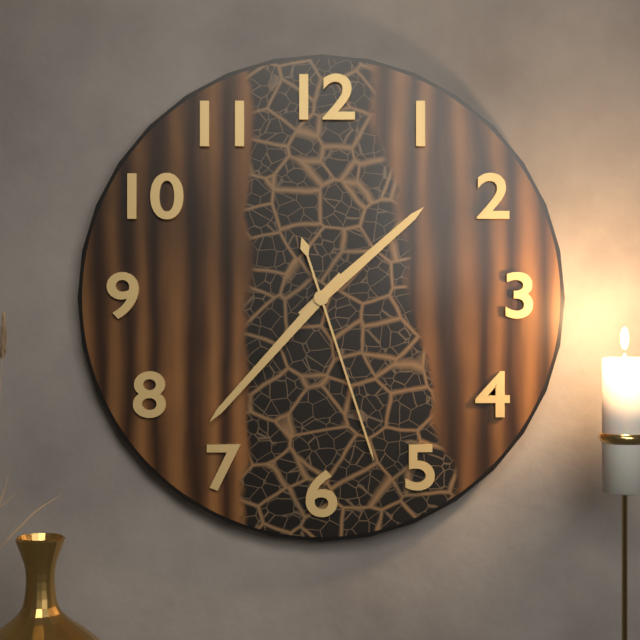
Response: 1:37:27
